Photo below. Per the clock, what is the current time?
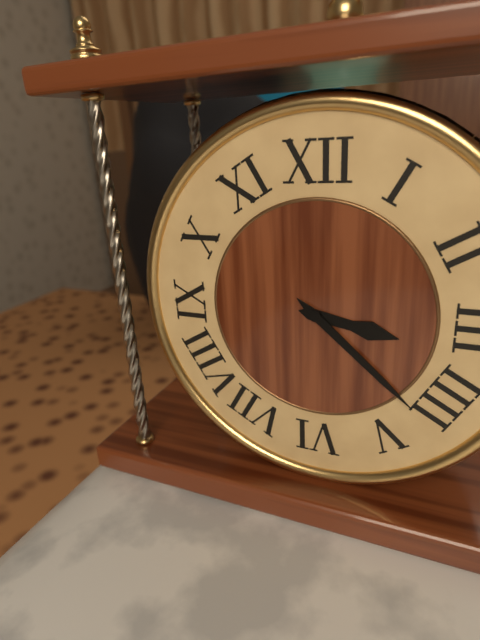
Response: 3:22
